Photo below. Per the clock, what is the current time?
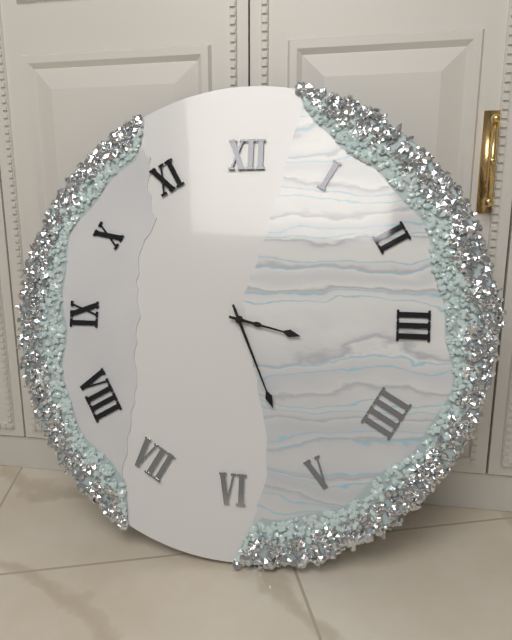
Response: 3:26
